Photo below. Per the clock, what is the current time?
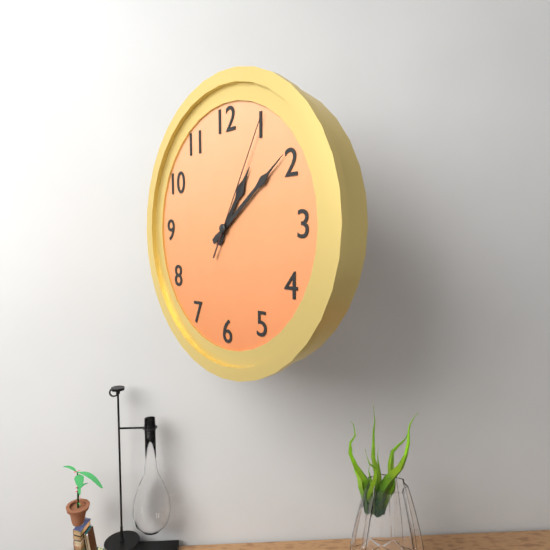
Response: 1:09:05
